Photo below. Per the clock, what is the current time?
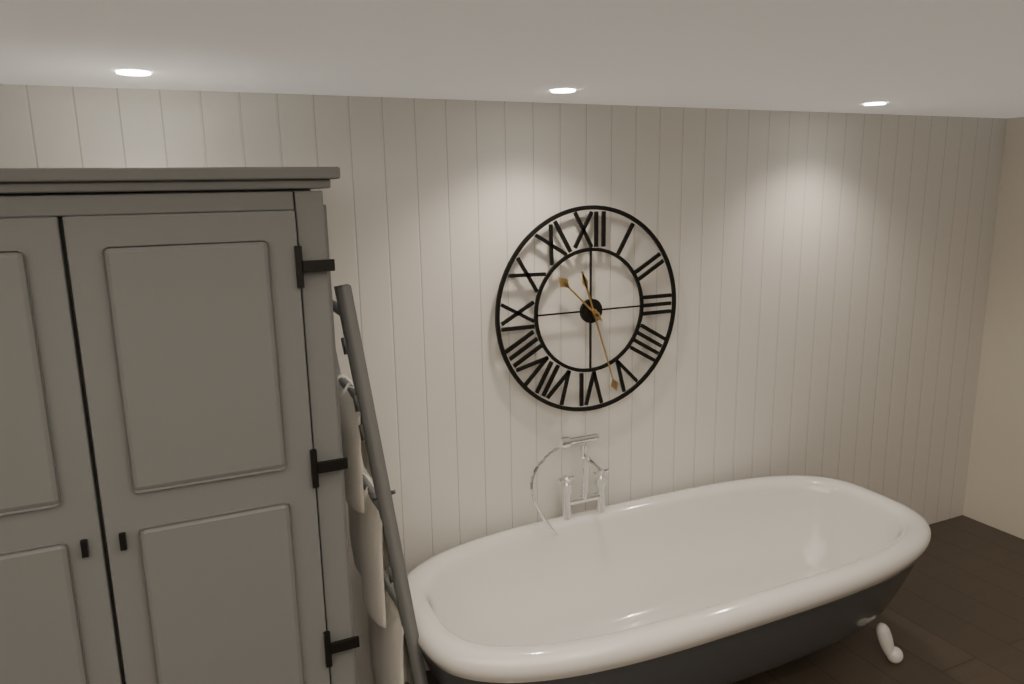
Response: 10:27
